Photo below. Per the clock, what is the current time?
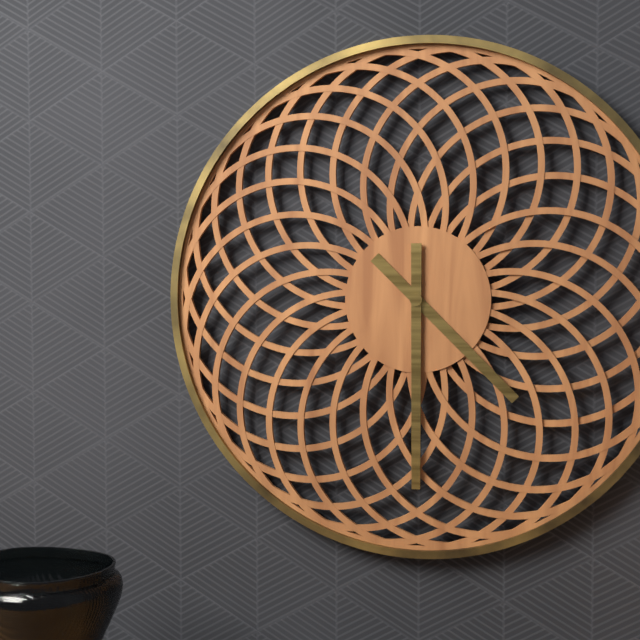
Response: 4:30
